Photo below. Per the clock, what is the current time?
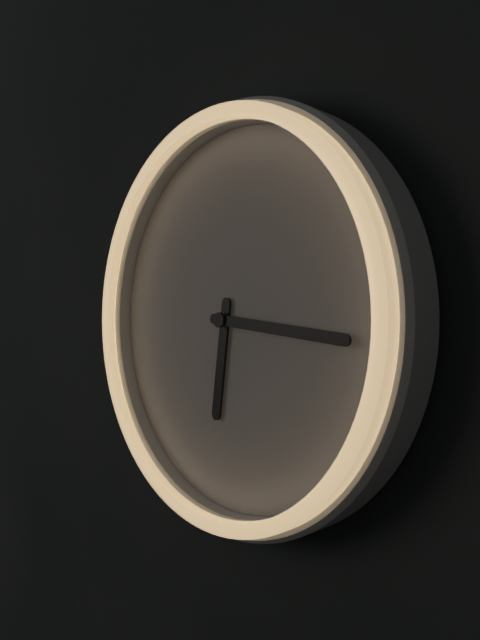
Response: 6:16
